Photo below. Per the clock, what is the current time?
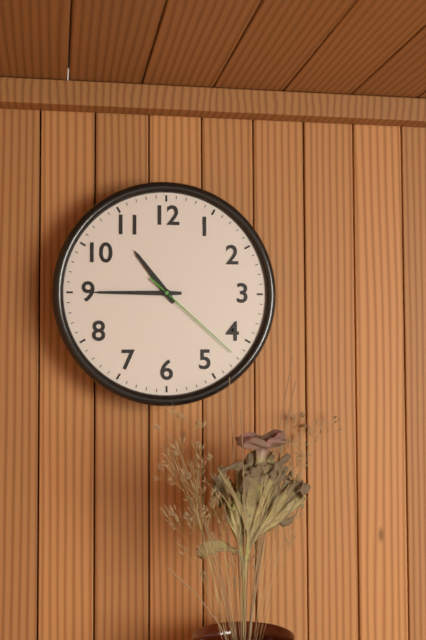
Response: 10:45:22
